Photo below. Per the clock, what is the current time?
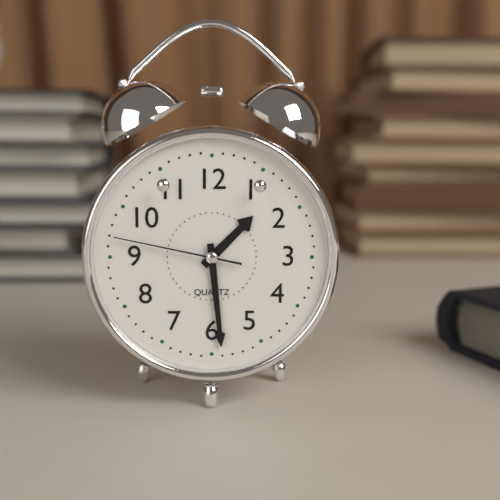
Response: 1:29:47
